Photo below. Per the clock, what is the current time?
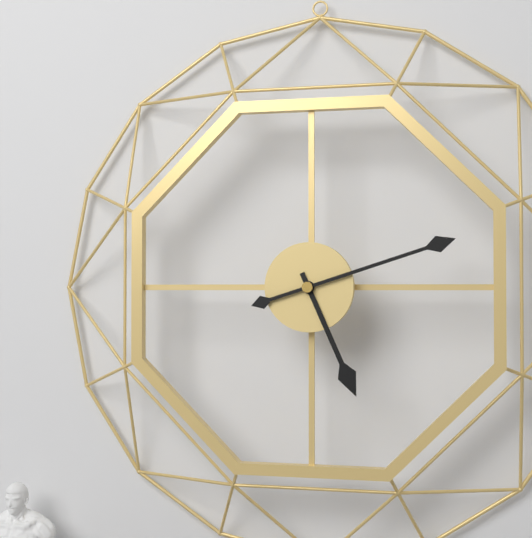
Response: 5:12
